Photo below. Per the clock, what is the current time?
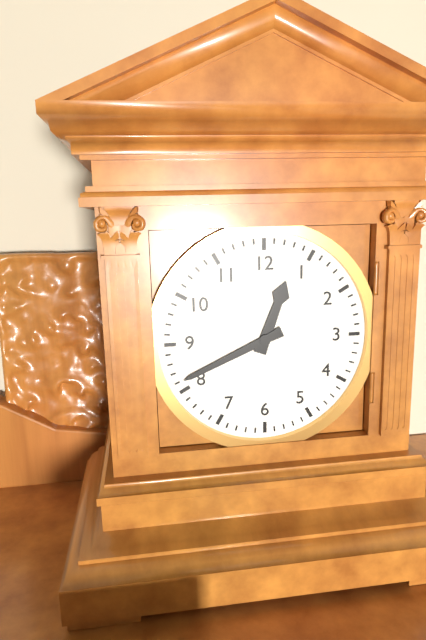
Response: 12:41
